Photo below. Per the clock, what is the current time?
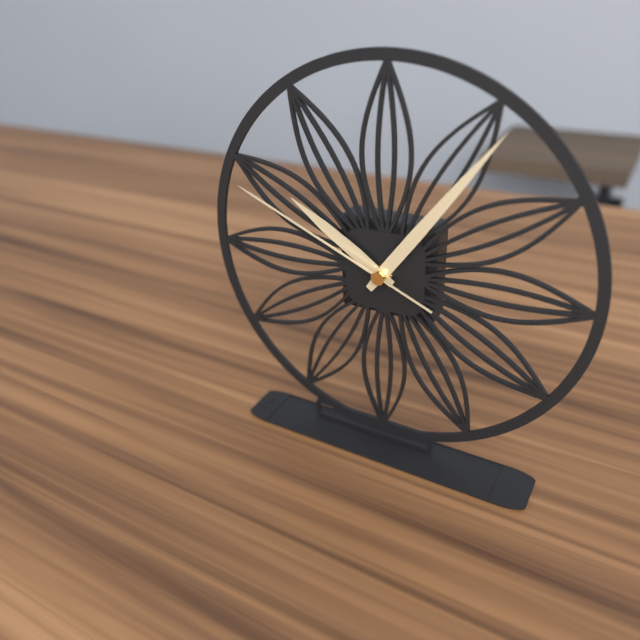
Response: 10:06:49
